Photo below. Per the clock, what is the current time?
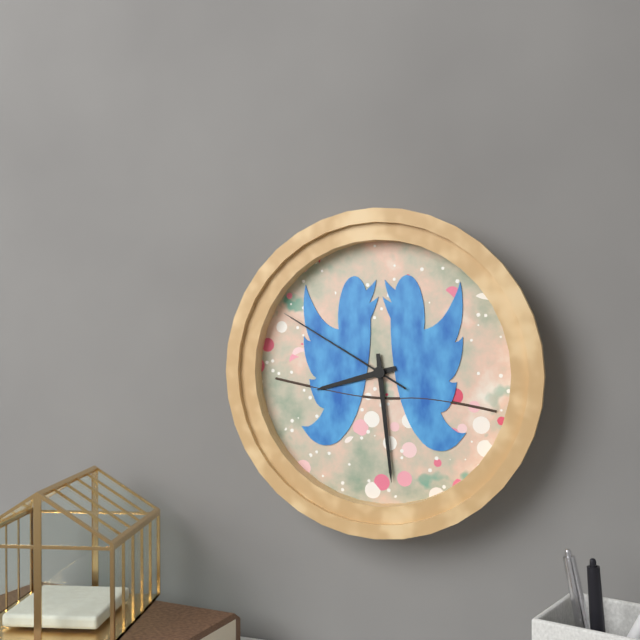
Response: 8:29:50
